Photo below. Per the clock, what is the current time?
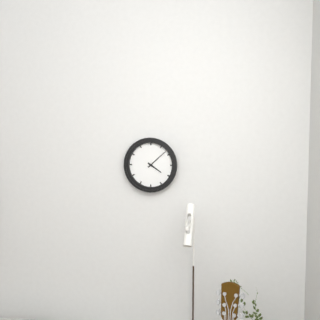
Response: 4:08
